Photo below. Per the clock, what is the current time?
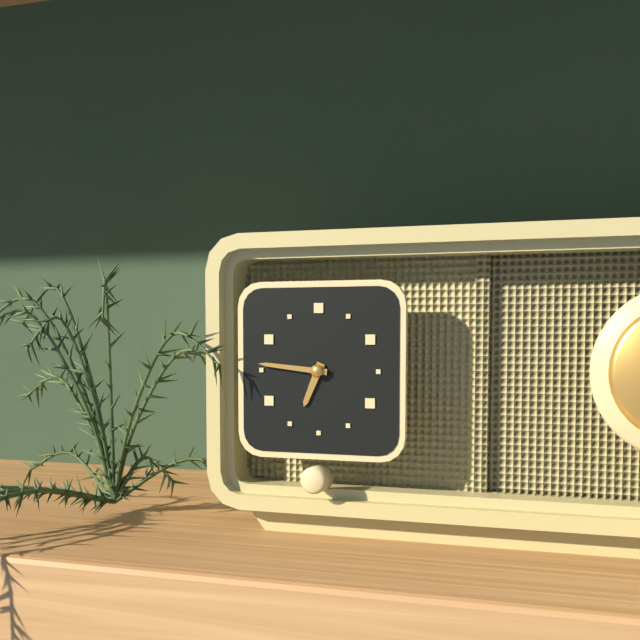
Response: 6:46
